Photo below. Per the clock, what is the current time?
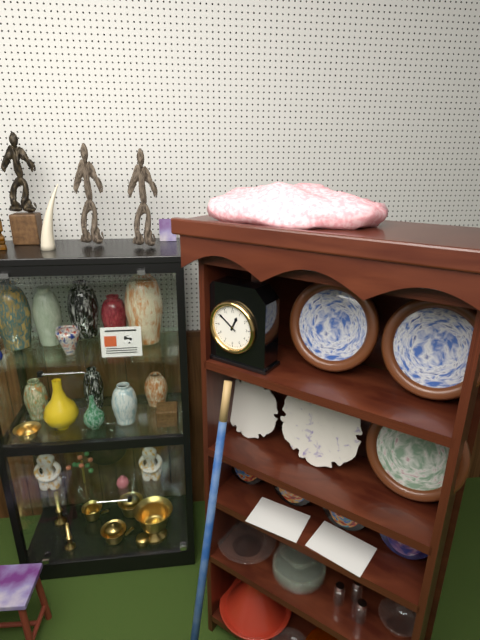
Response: 12:51
